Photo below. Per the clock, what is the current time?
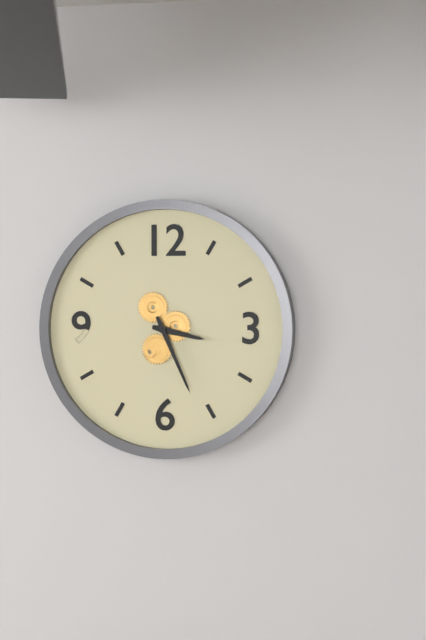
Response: 3:26
